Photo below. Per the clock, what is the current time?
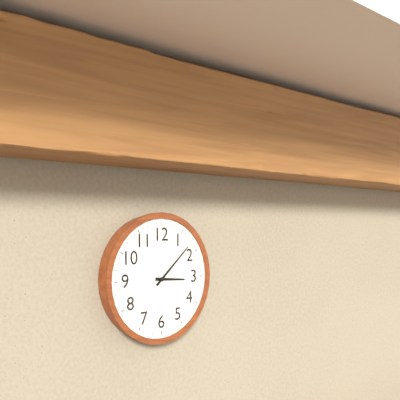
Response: 3:08
